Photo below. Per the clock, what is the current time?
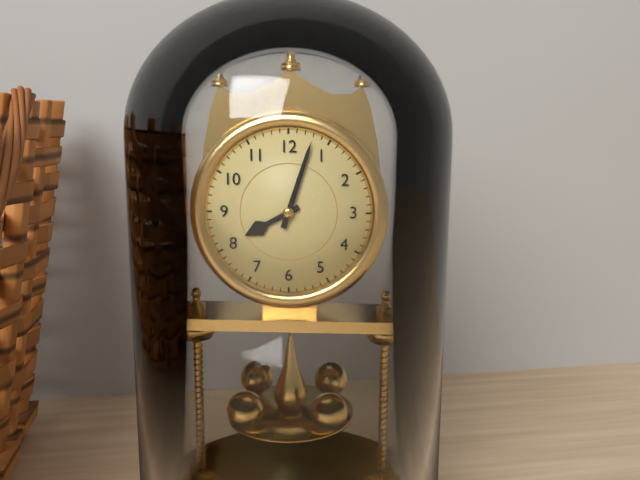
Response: 8:03
